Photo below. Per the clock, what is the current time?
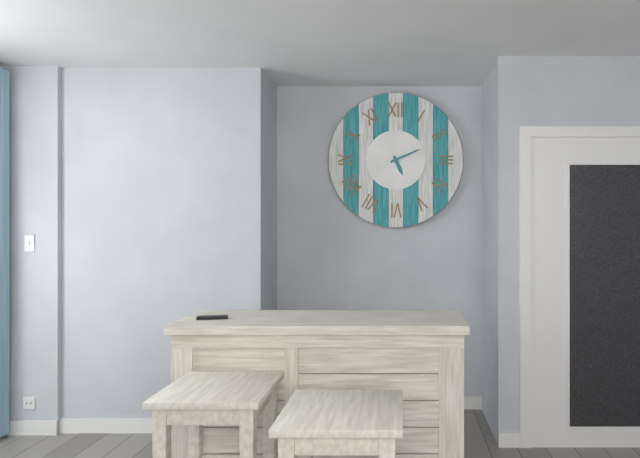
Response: 5:11
